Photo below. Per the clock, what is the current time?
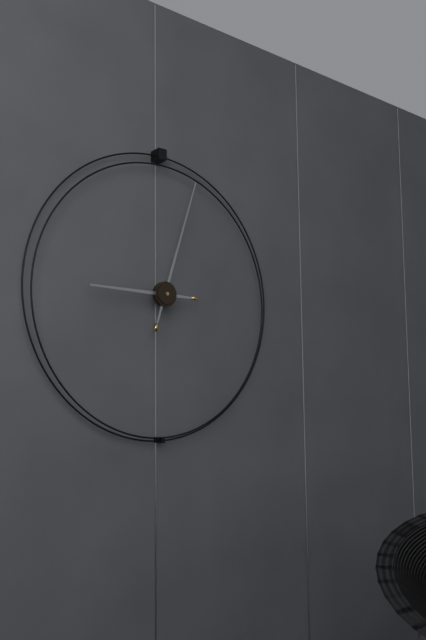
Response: 9:03
